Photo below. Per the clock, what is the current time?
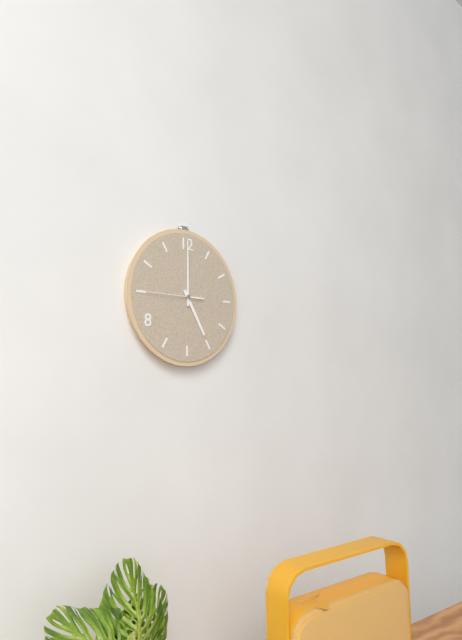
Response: 5:00:45
